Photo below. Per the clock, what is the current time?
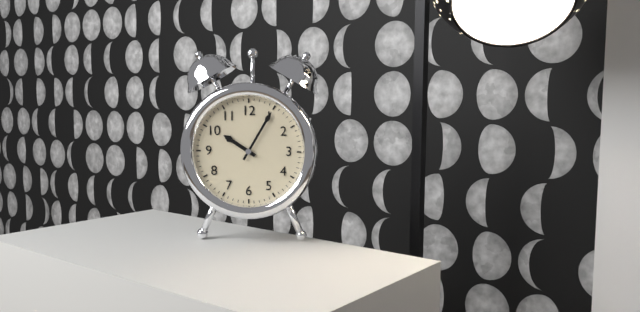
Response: 10:05
